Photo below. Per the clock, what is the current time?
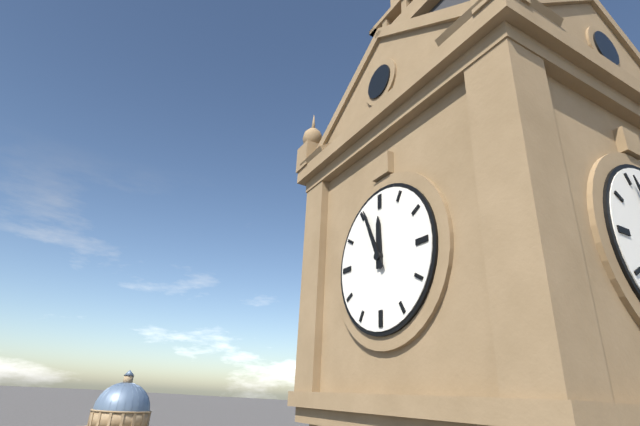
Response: 11:56
